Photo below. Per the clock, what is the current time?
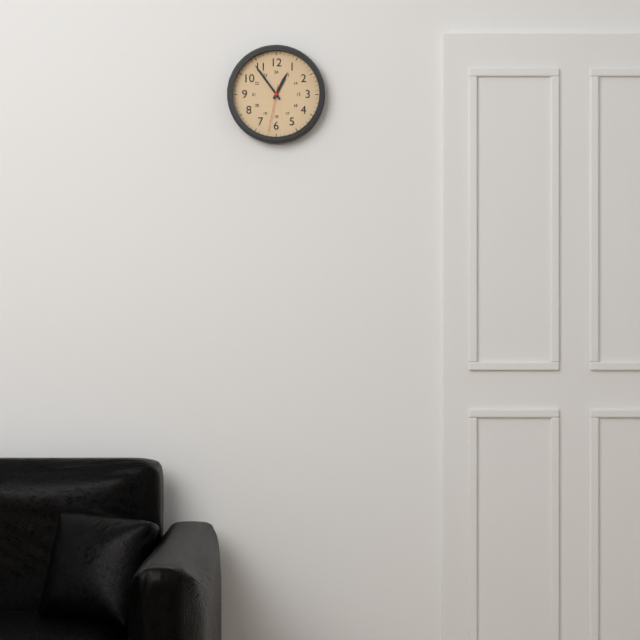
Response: 12:54
